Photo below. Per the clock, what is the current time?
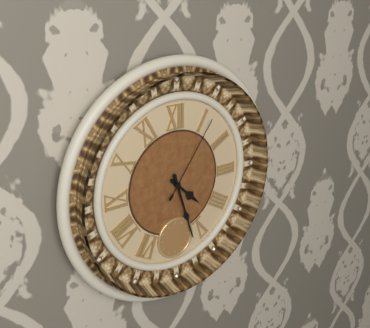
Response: 4:27:06
